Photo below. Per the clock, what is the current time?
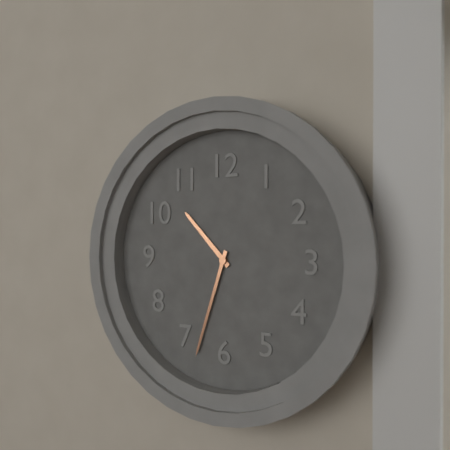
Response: 10:33
